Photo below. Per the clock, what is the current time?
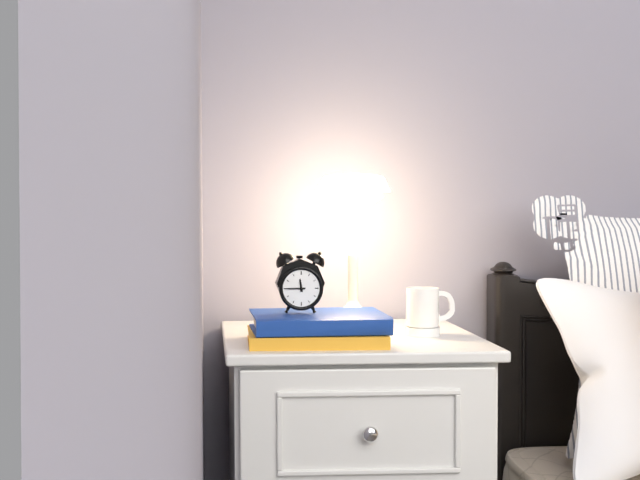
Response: 11:45
